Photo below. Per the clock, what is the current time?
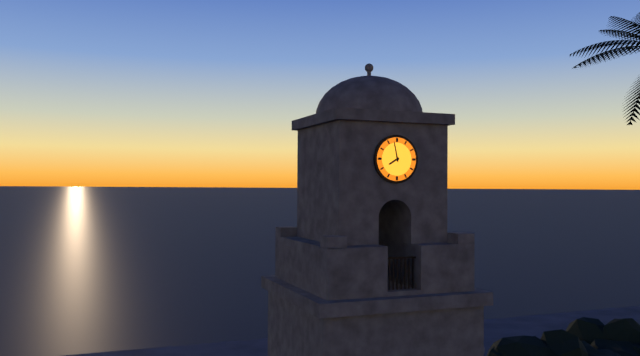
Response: 7:58
